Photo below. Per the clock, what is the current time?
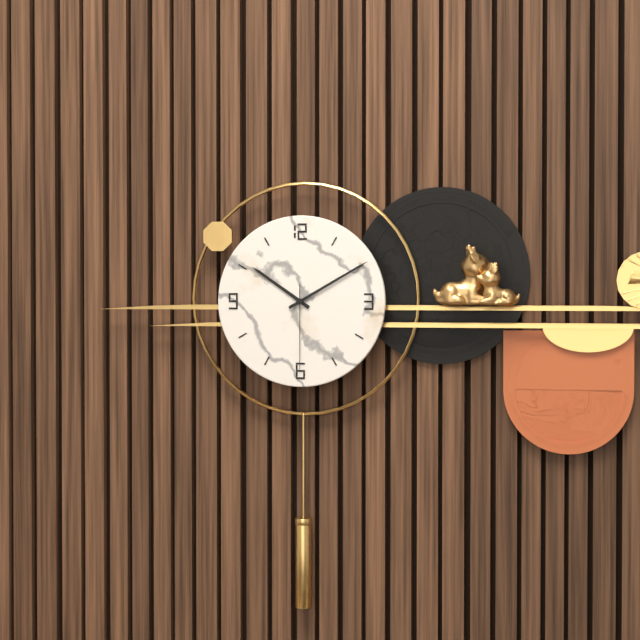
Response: 10:10:30
